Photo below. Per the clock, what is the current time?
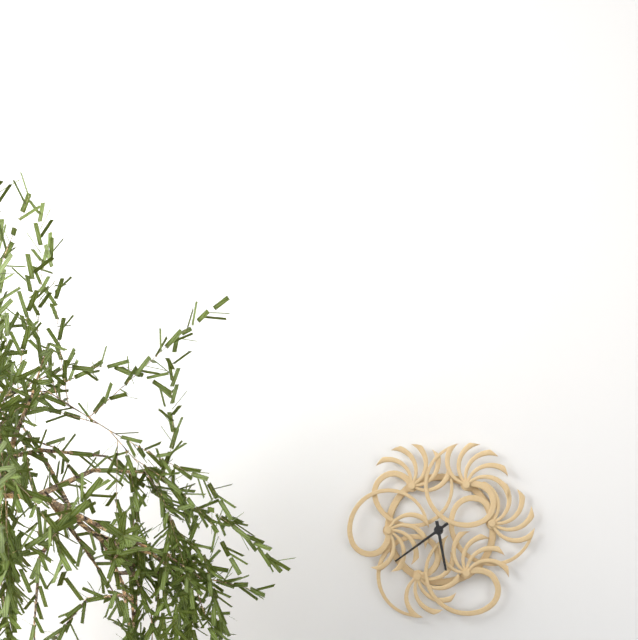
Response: 5:39
